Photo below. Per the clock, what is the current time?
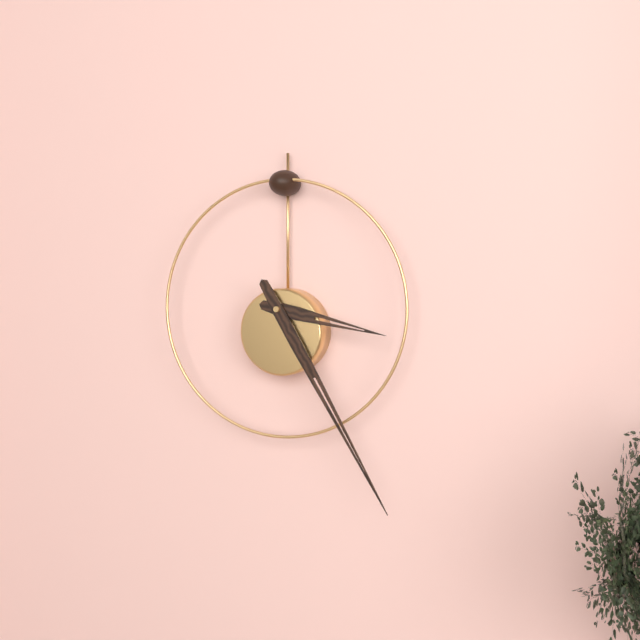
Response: 3:25
